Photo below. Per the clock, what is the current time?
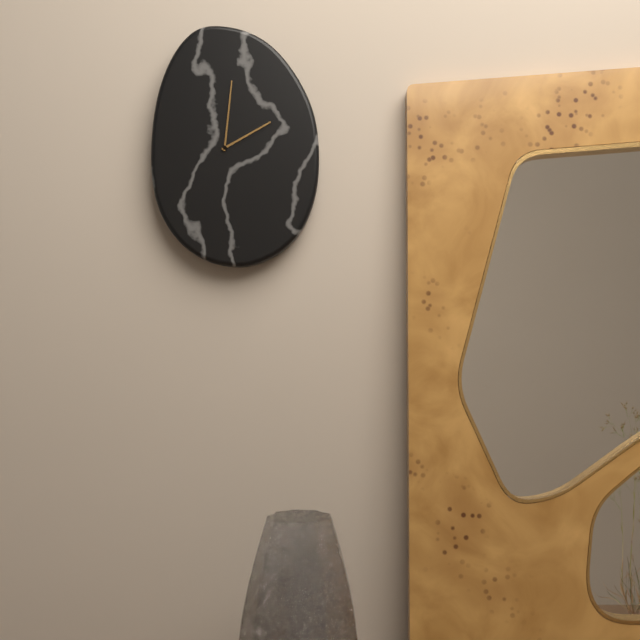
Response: 2:01
